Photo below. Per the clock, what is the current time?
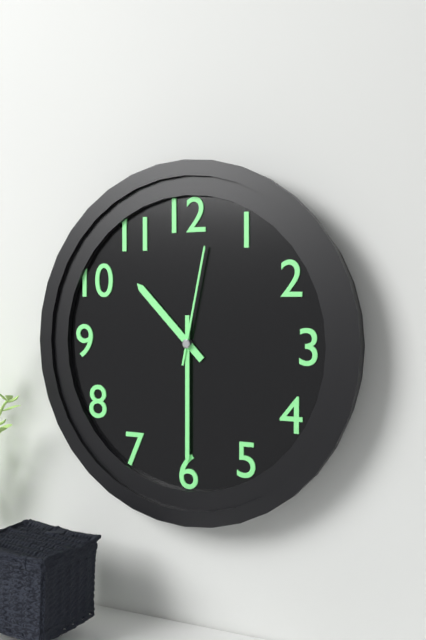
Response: 10:30:02
